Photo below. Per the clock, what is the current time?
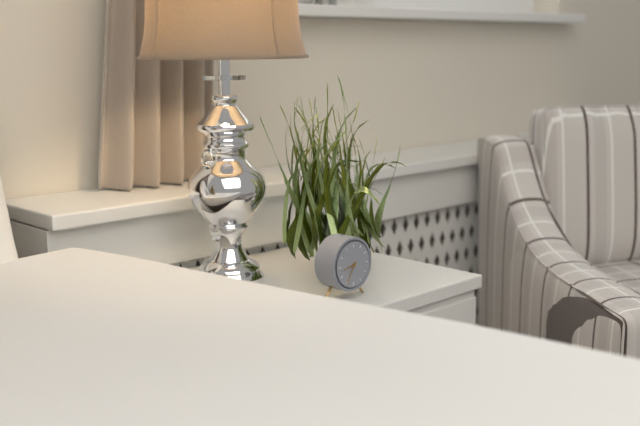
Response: 8:35
